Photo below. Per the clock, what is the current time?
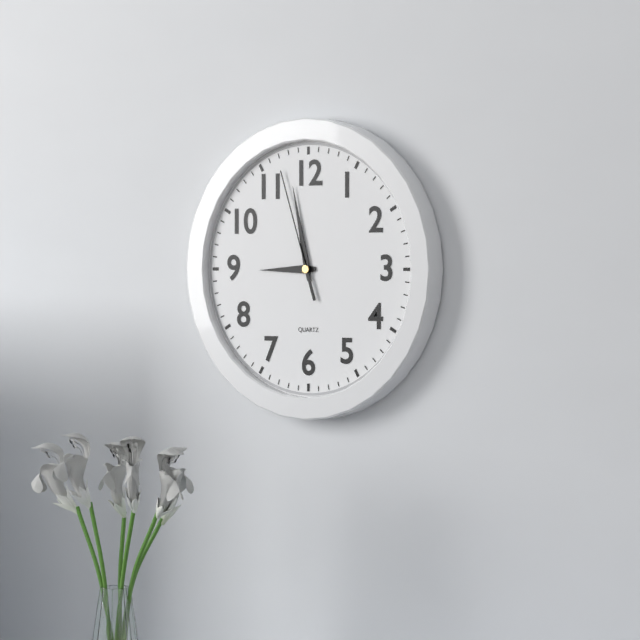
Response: 8:58:57
